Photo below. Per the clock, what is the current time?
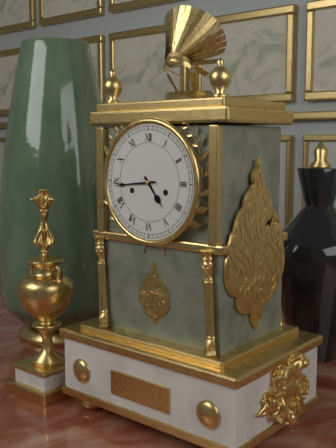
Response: 4:44
